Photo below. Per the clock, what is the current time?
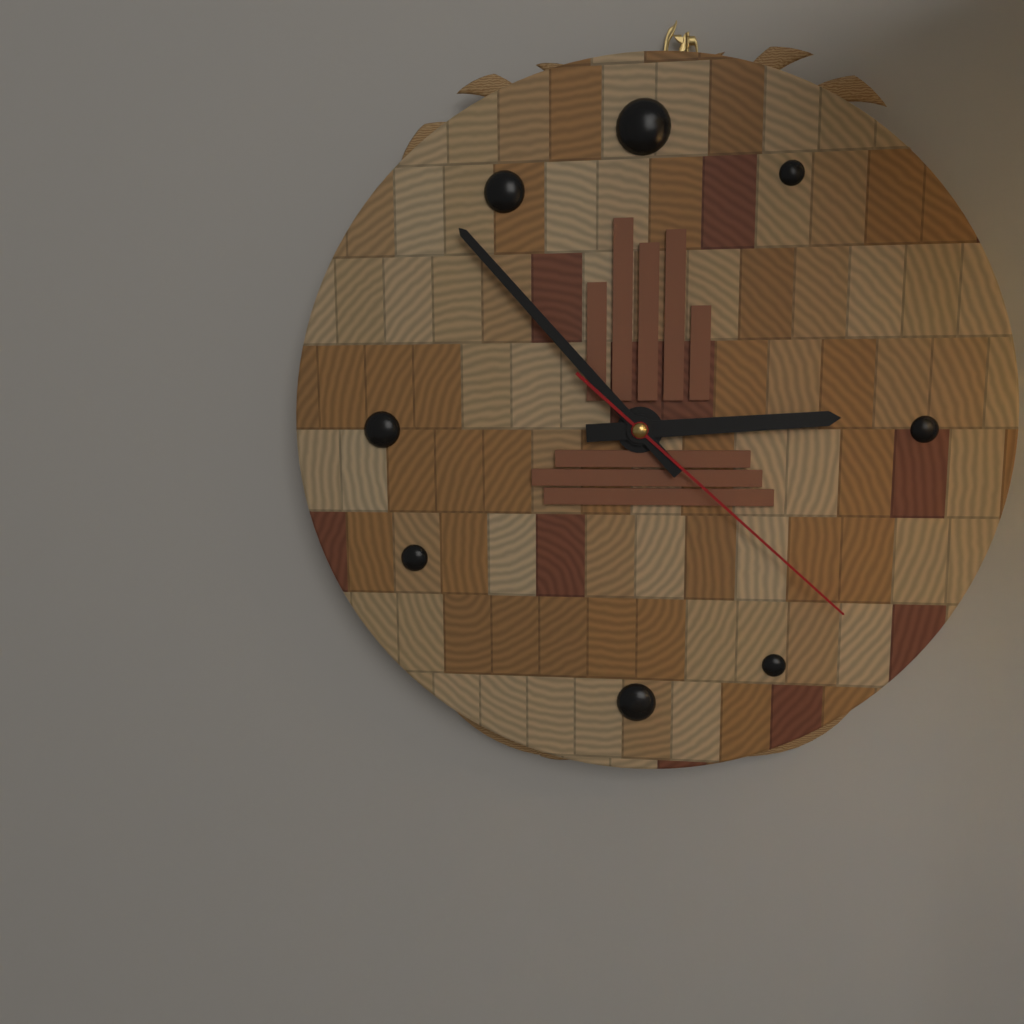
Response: 2:53:22
